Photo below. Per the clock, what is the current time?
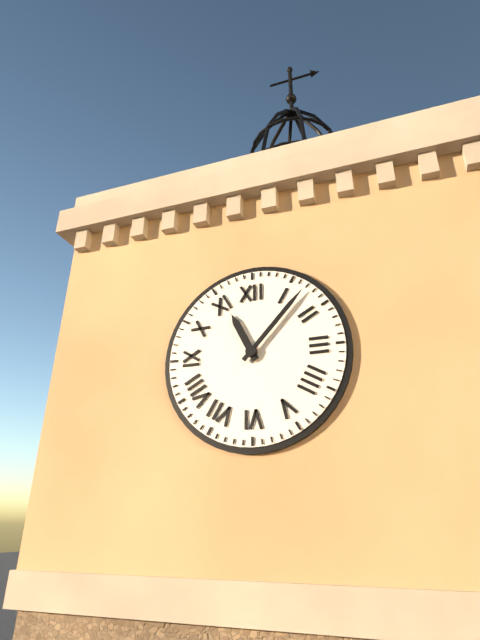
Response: 11:07
